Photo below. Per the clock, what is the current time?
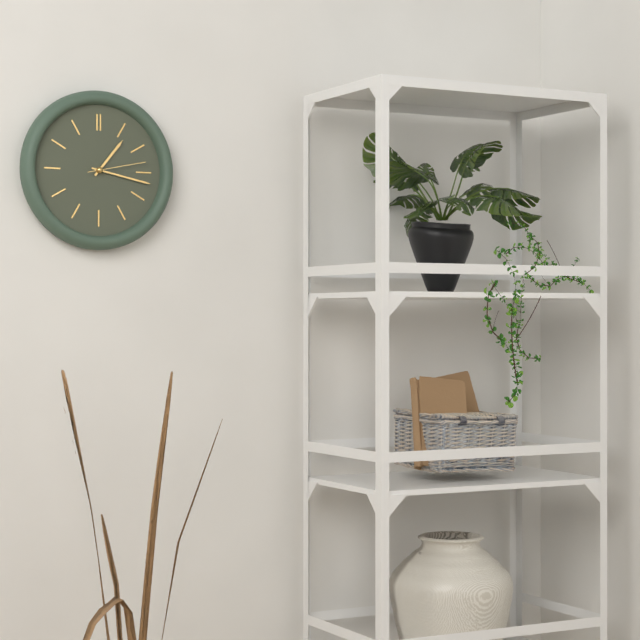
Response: 1:17:13
